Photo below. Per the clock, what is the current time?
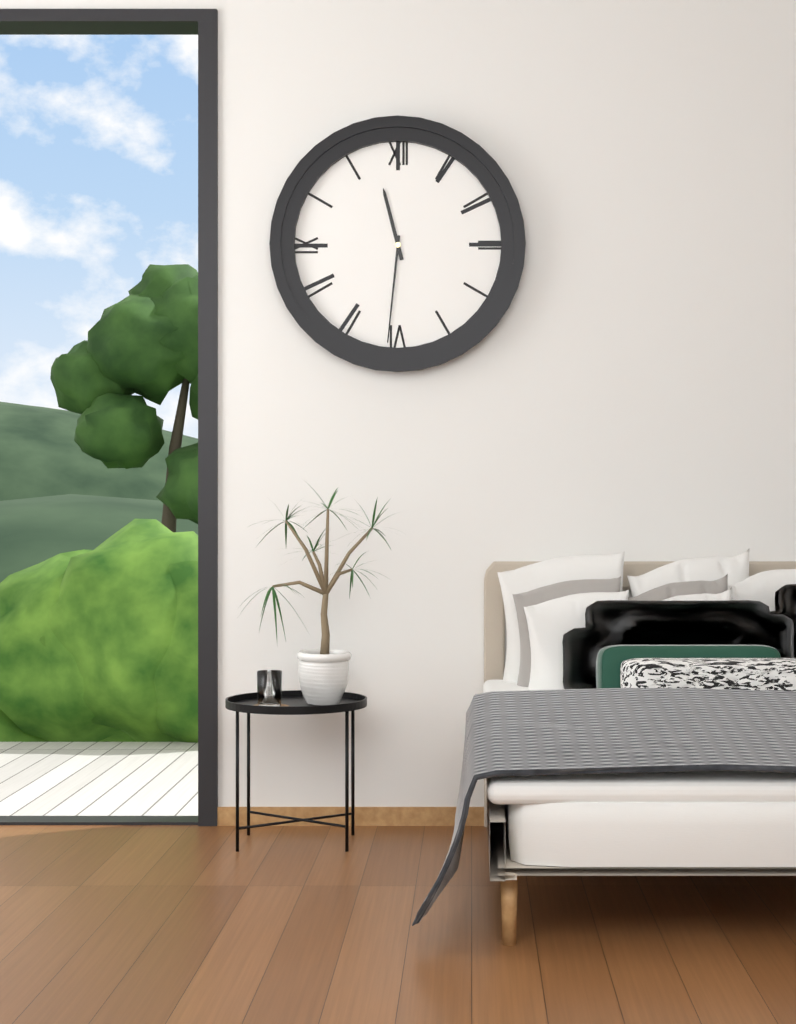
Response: 11:31
